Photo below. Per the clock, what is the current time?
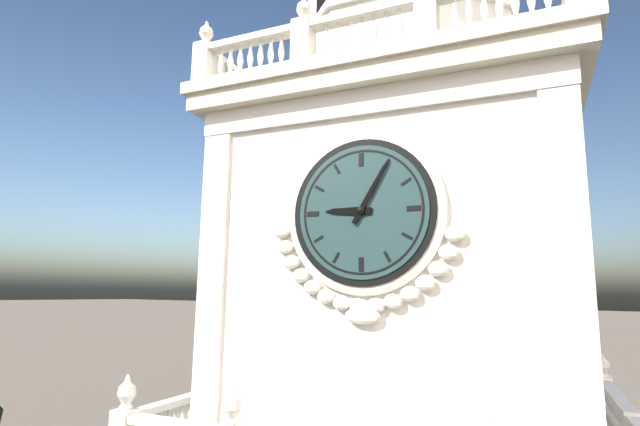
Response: 9:05
